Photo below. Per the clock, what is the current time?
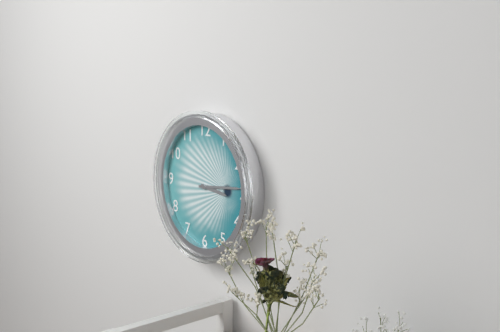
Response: 3:14
